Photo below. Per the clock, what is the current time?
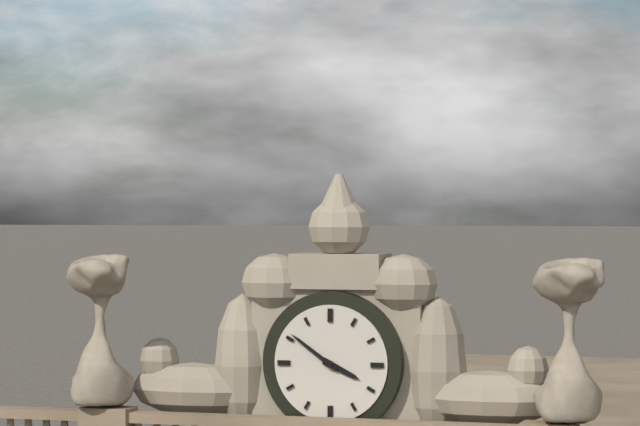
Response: 3:51
